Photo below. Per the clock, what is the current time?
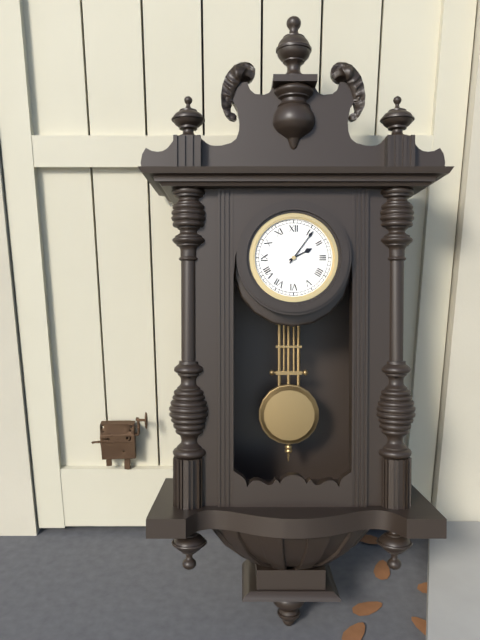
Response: 2:06
